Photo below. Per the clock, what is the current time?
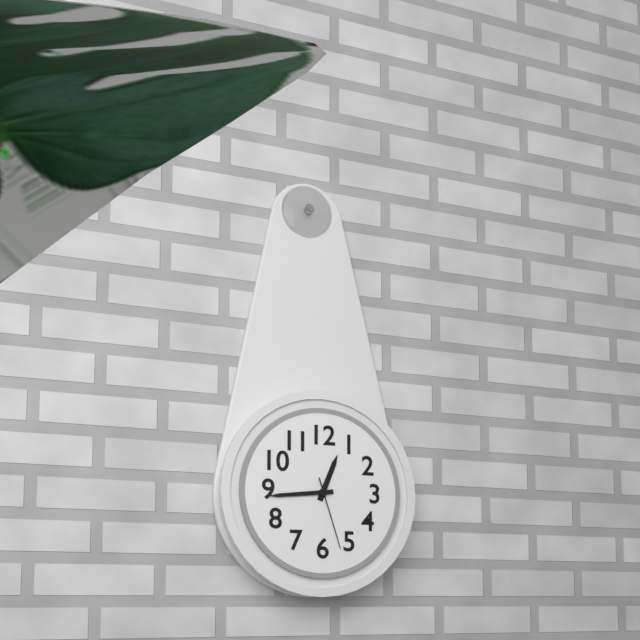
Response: 12:44:27
